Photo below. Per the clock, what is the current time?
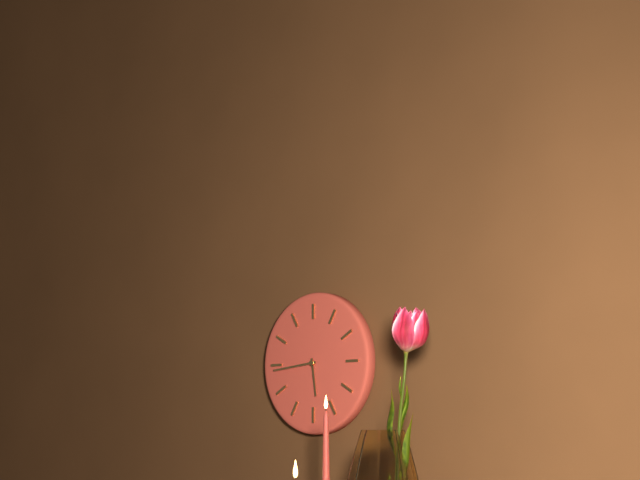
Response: 5:44
